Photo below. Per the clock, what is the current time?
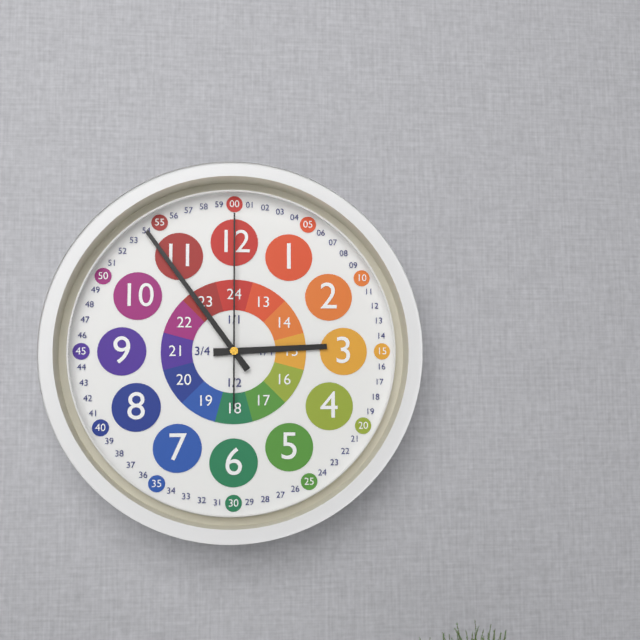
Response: 2:54:00
